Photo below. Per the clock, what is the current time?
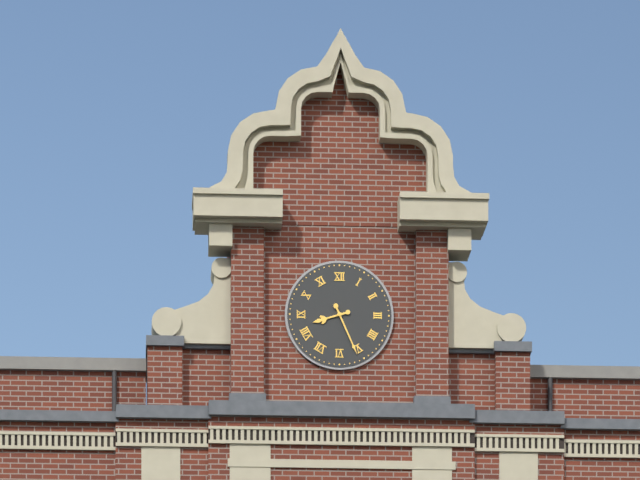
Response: 8:26
